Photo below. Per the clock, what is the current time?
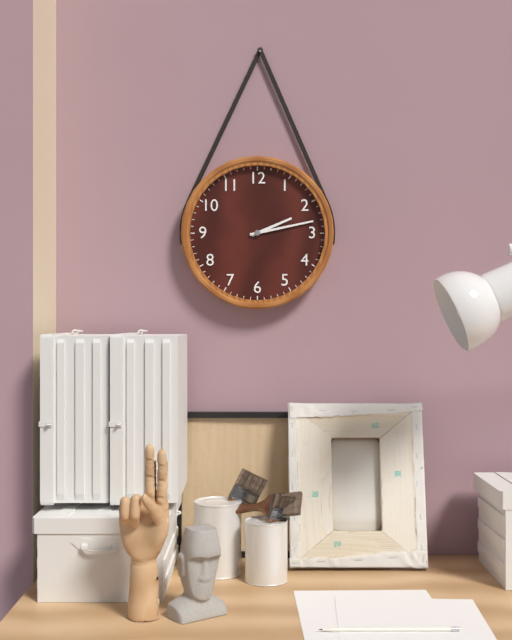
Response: 2:13
